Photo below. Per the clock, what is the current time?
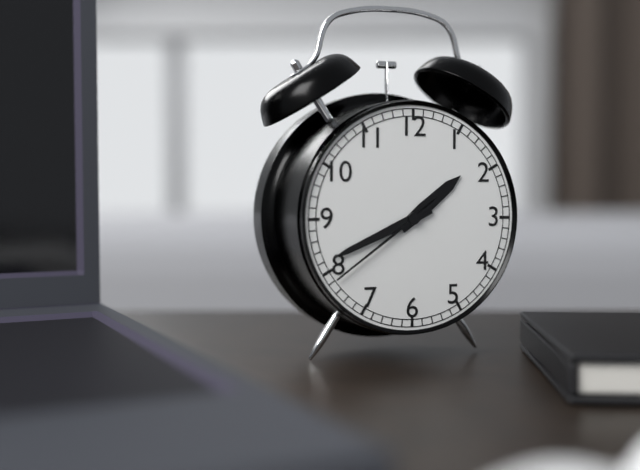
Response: 1:41:39
